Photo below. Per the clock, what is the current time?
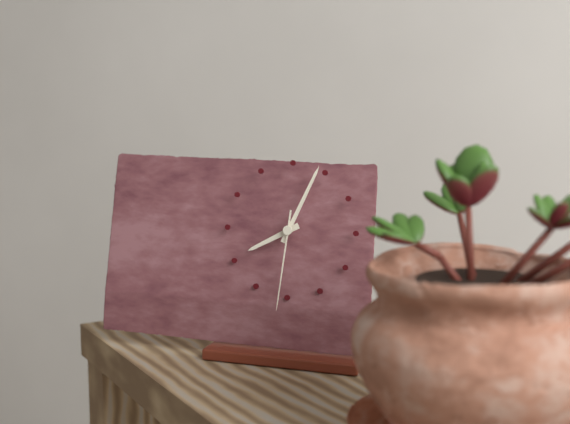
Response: 8:04:31
